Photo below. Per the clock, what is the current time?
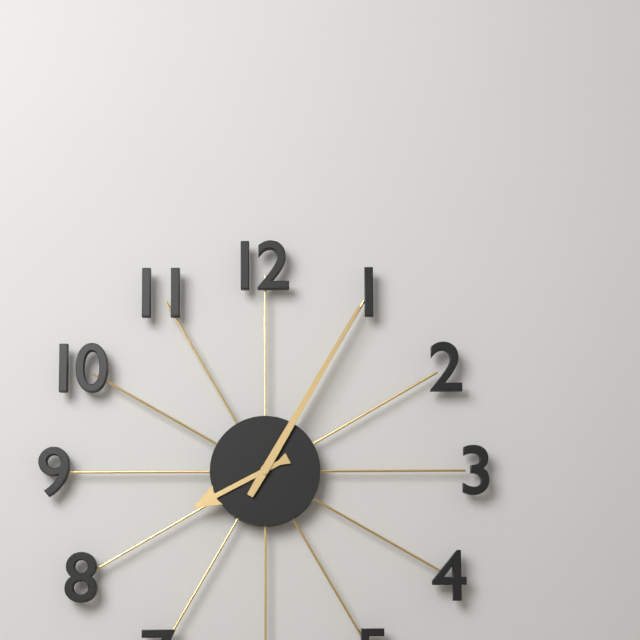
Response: 8:05
